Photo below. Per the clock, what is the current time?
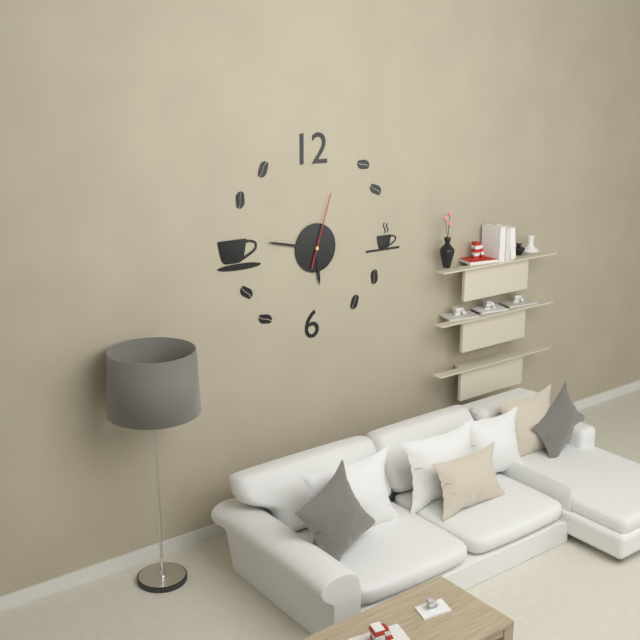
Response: 5:47:03
